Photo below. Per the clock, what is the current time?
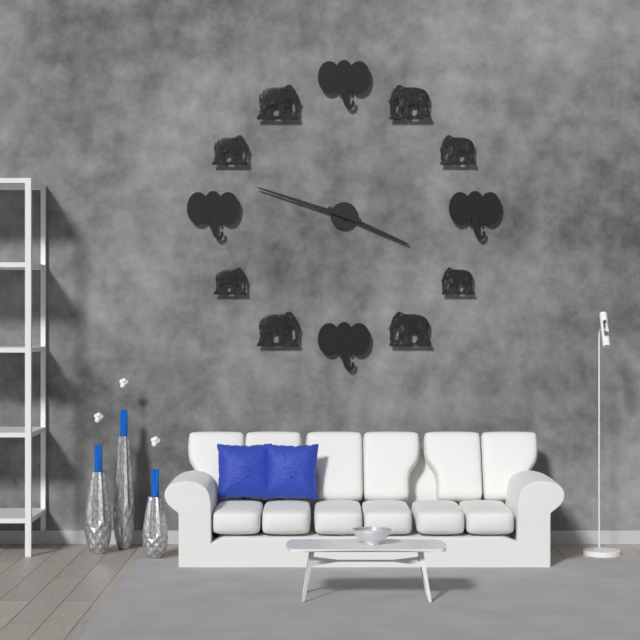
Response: 3:48
